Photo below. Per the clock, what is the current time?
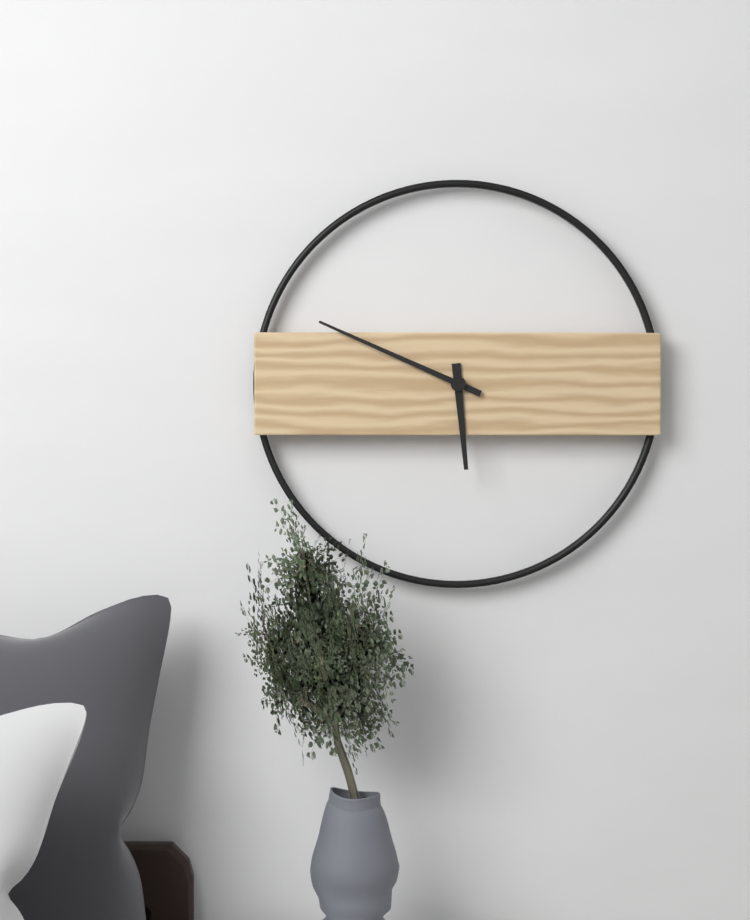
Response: 5:49
